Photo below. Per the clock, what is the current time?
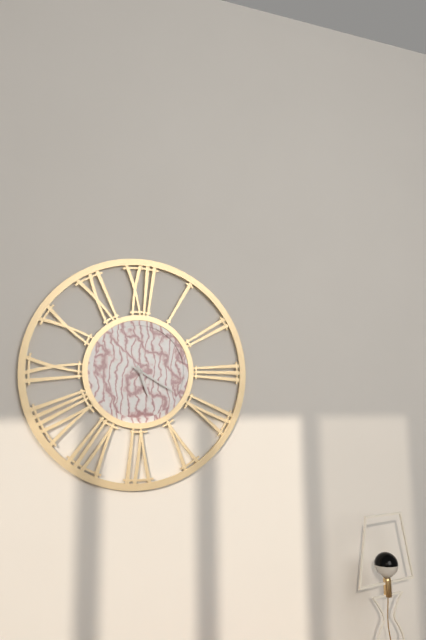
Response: 5:20
